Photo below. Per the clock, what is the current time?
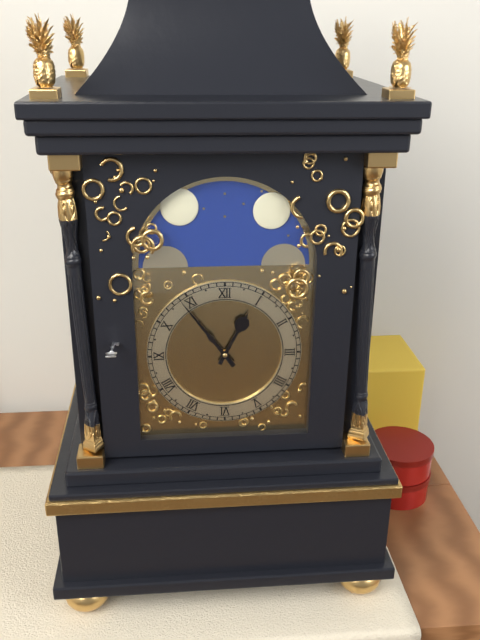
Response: 12:54
